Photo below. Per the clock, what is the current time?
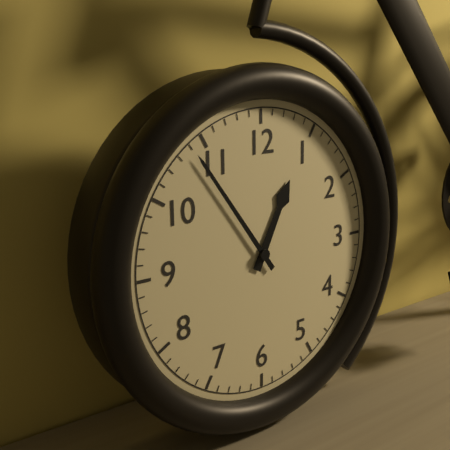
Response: 12:54
